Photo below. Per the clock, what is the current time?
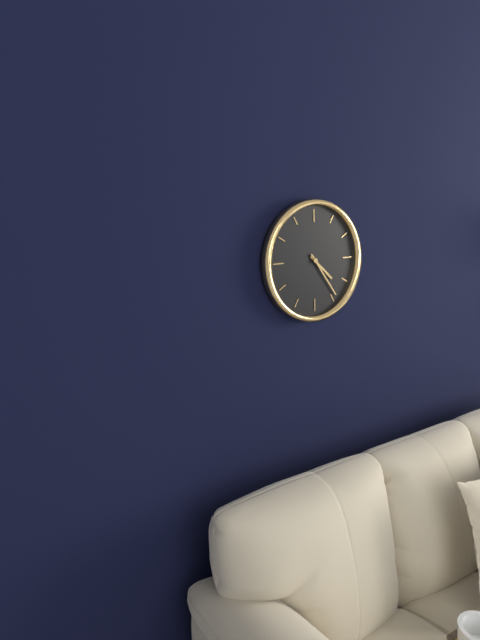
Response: 4:24
